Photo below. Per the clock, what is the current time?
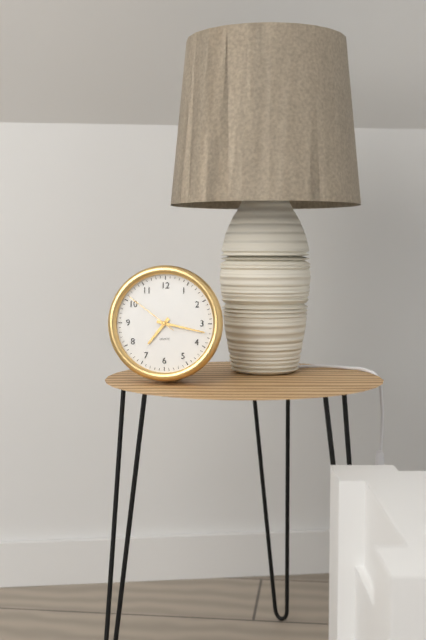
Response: 7:17:51
